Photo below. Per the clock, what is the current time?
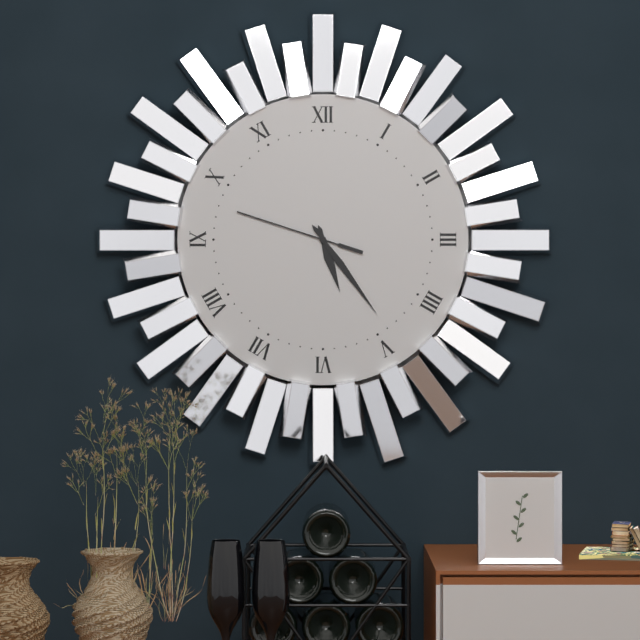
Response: 5:24:48
